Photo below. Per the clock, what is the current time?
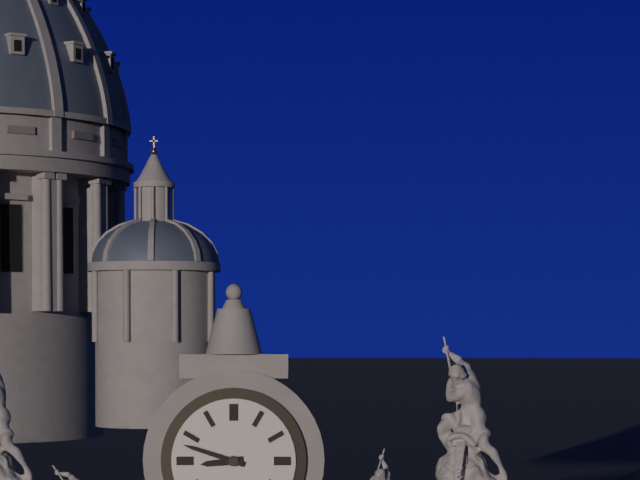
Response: 8:48
